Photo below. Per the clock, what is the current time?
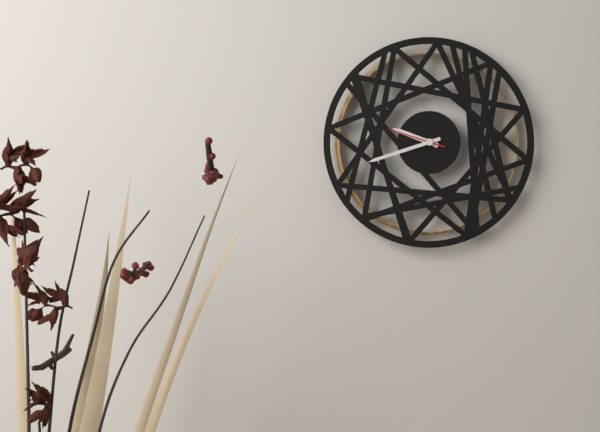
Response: 9:42:48
